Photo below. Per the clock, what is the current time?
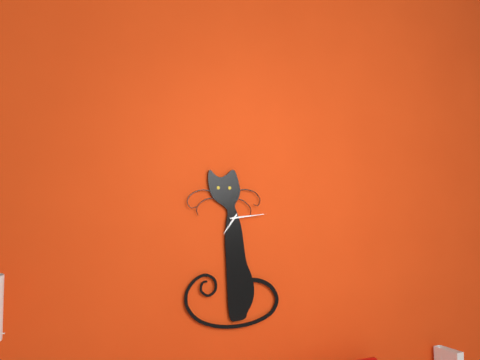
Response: 7:14
